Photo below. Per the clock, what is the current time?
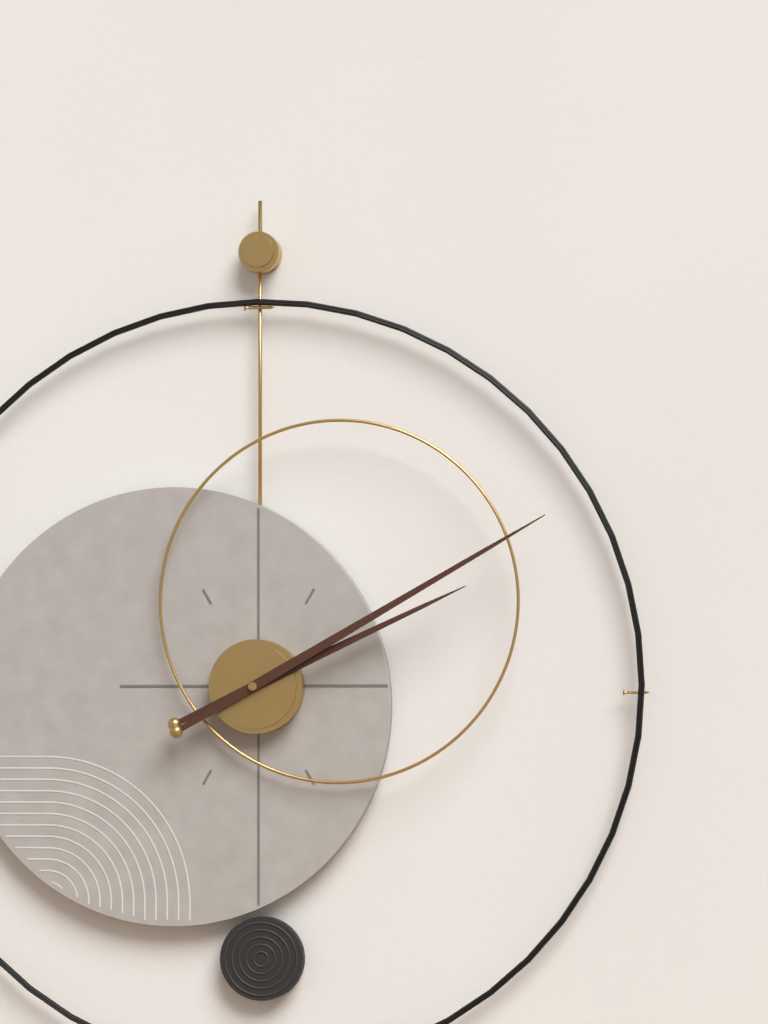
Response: 2:10
